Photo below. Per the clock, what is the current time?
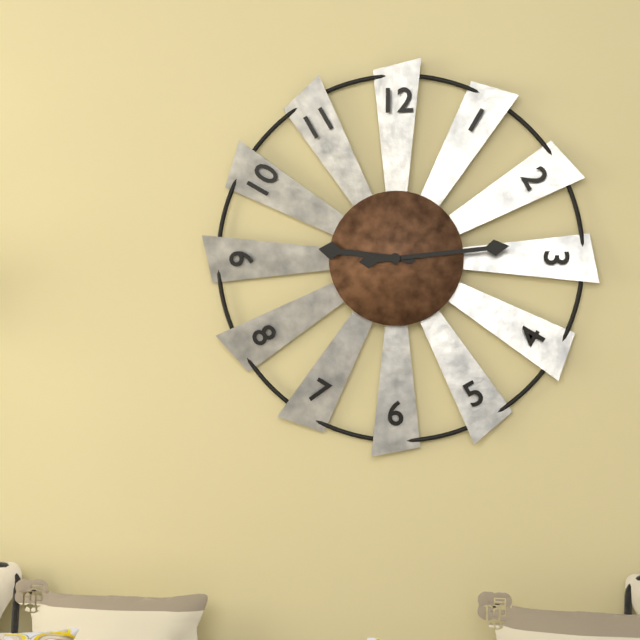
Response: 9:14
